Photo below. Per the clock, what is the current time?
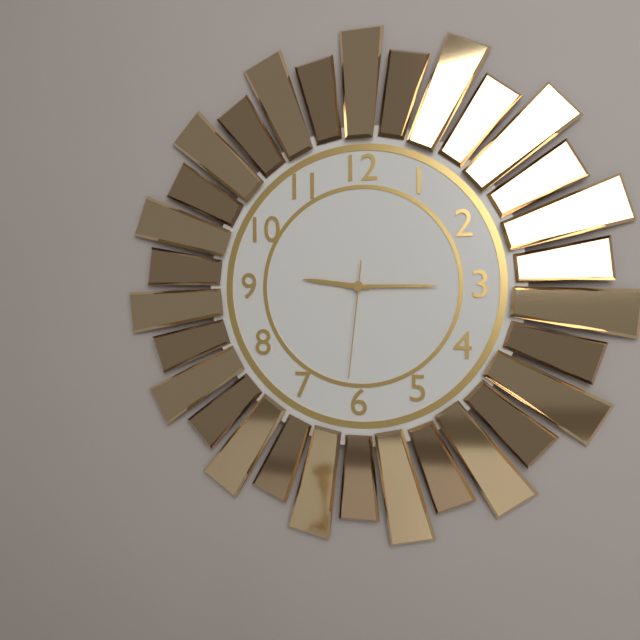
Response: 9:15:31
